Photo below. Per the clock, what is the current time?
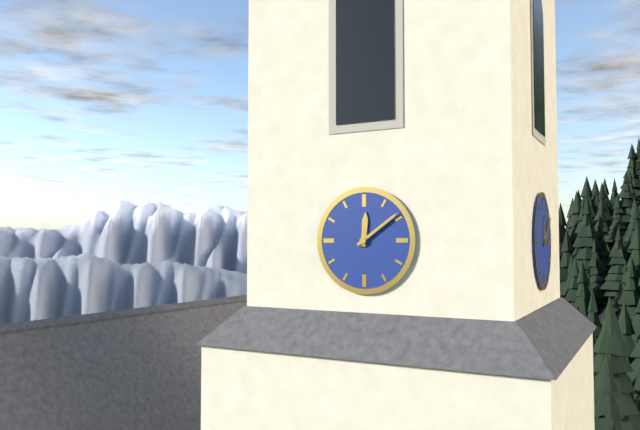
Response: 12:09
